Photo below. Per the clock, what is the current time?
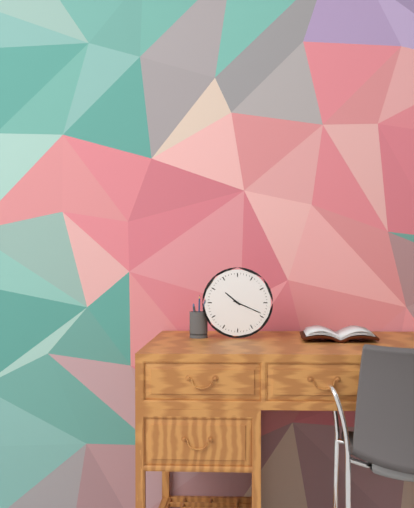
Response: 10:19
